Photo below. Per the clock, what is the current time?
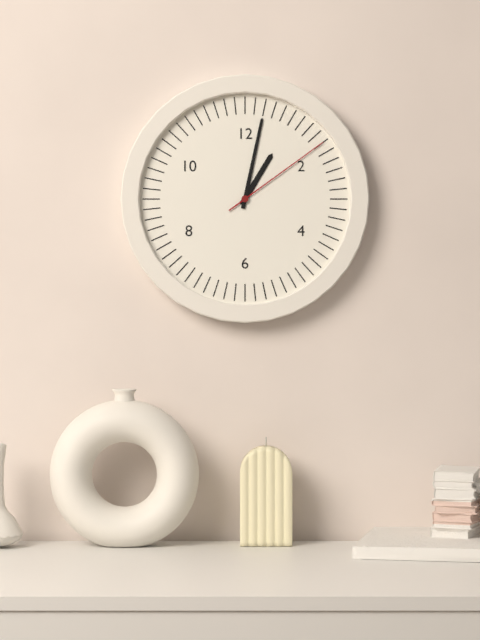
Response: 1:02:09
